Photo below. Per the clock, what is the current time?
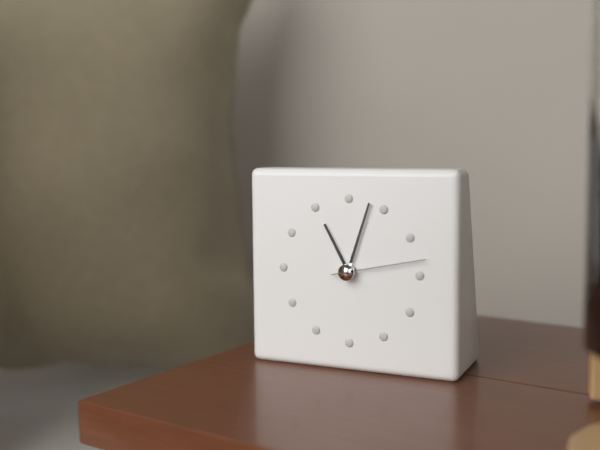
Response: 11:03:13
